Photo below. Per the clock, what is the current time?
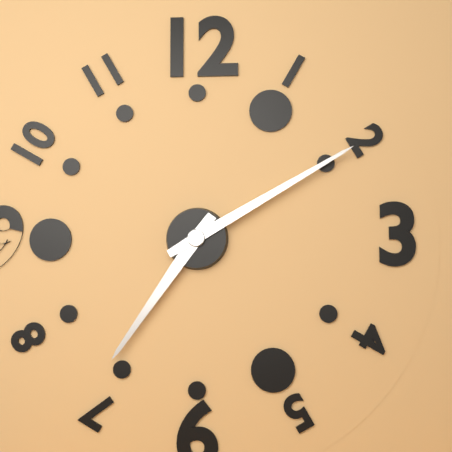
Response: 7:10
